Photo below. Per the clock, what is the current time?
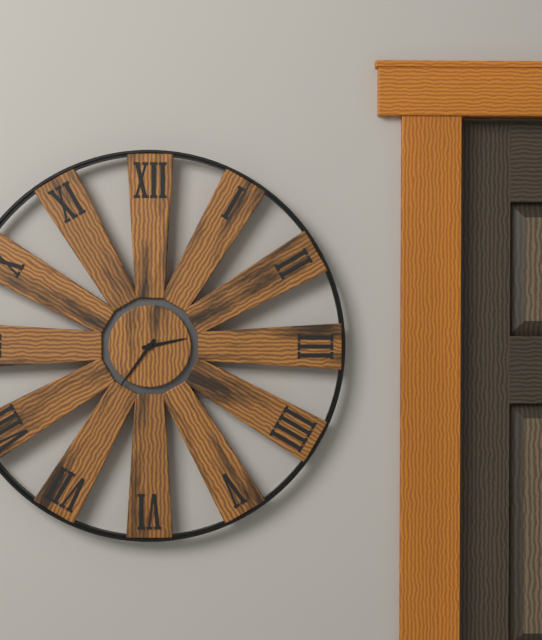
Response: 2:36
